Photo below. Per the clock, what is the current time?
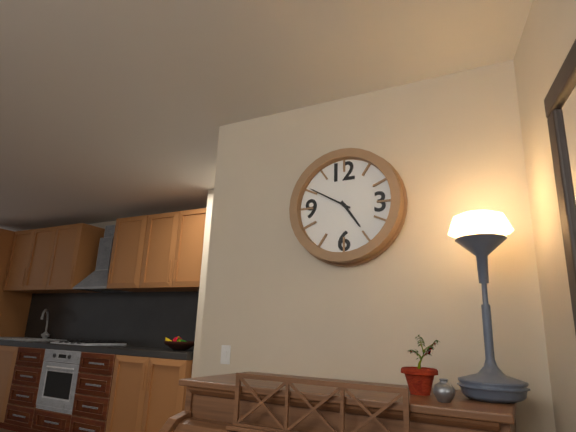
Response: 4:50
